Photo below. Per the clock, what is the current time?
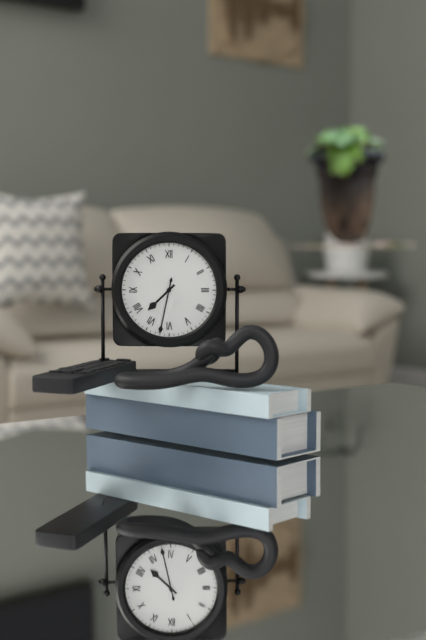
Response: 7:32
